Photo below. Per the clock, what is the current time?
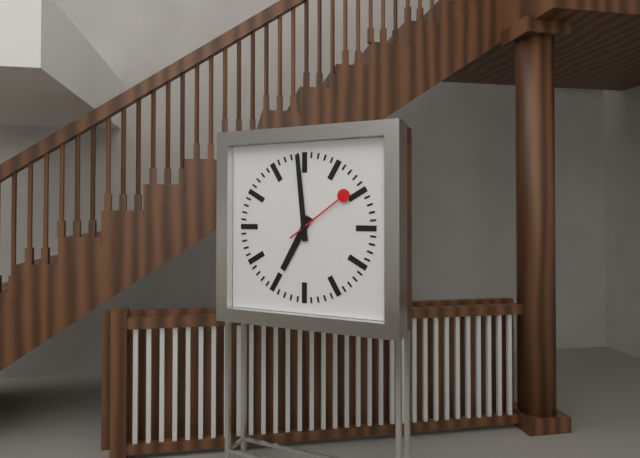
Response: 6:59:09
